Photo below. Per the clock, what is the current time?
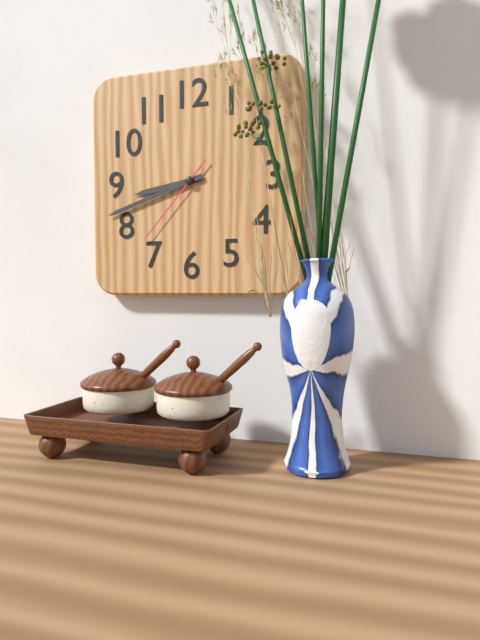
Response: 8:42:37
